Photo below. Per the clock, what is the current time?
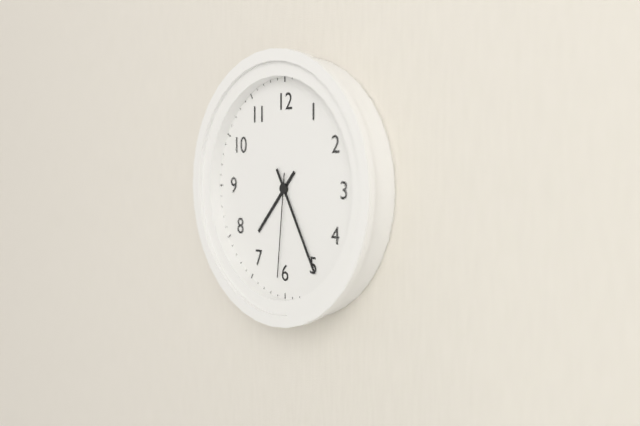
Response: 7:25:31
